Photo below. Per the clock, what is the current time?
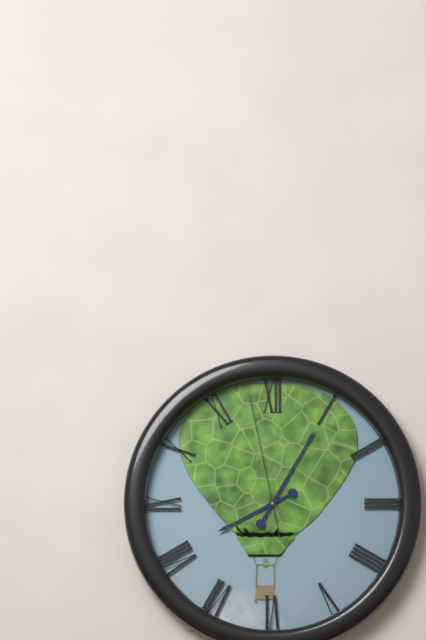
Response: 8:05:58
